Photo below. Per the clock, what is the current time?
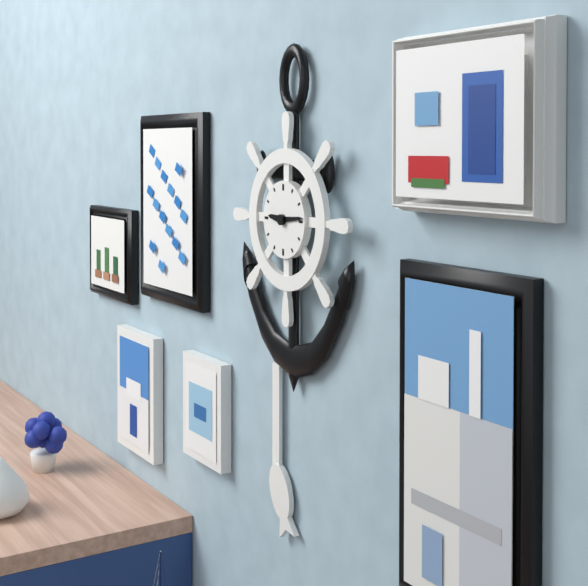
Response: 9:14
